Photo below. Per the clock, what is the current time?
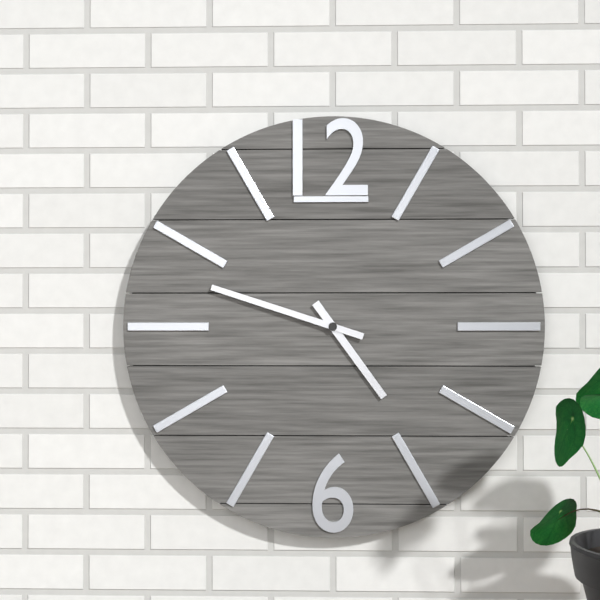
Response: 4:48
